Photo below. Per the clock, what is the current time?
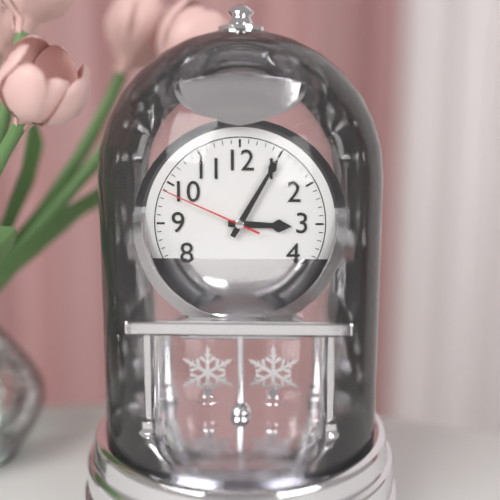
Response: 3:05:49
